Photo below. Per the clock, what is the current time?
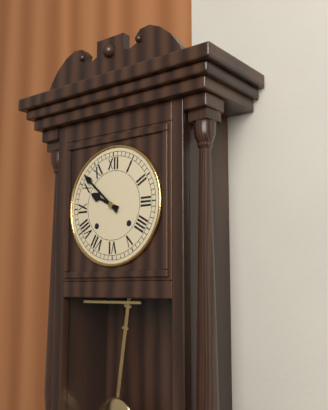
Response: 9:52
